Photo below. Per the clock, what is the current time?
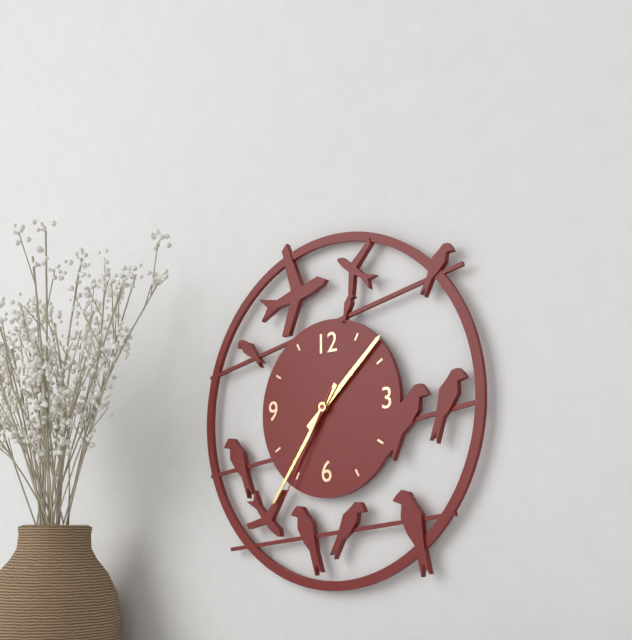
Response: 1:36:35
